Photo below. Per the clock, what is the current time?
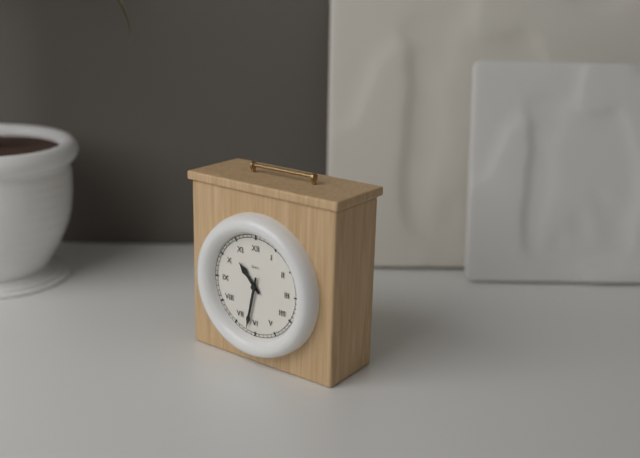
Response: 10:32
